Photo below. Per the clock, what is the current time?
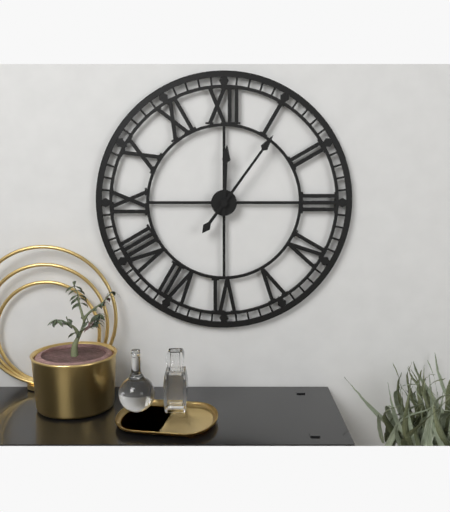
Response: 12:06
